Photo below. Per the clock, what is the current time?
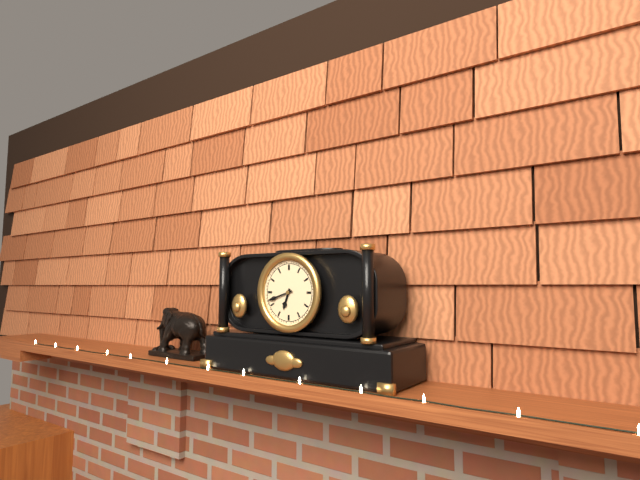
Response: 6:42
